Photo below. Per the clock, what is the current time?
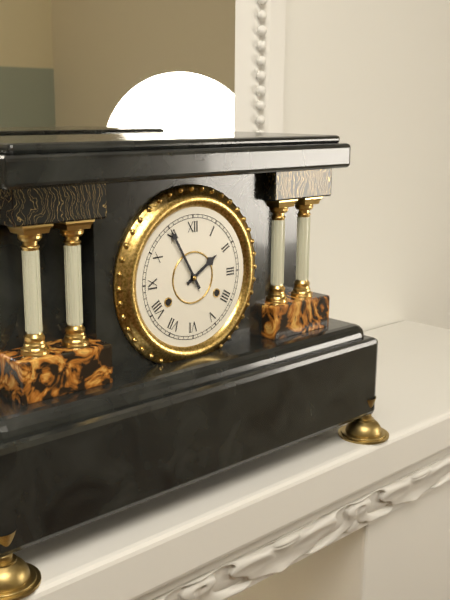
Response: 1:55
